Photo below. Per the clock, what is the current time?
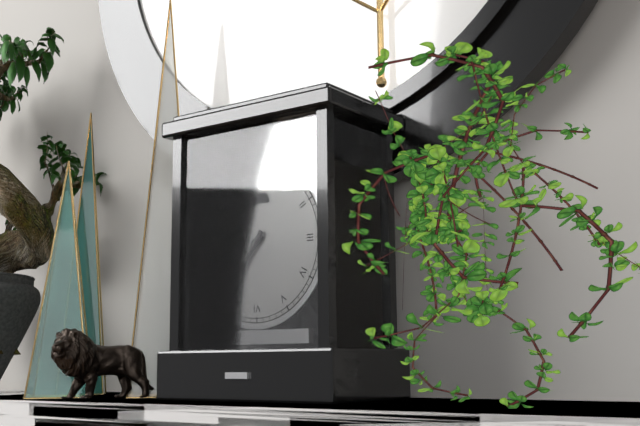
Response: 7:36
